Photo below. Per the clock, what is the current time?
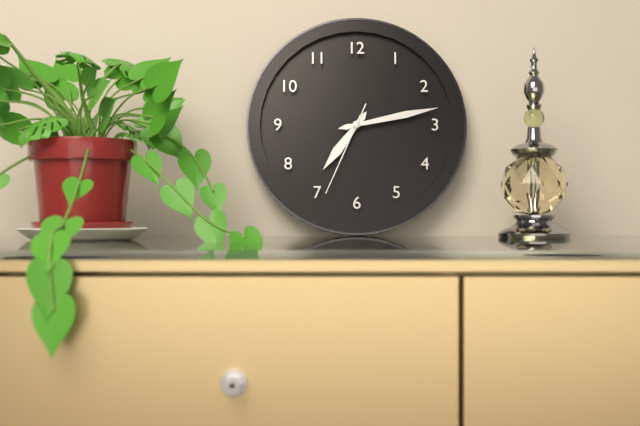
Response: 7:13:34
